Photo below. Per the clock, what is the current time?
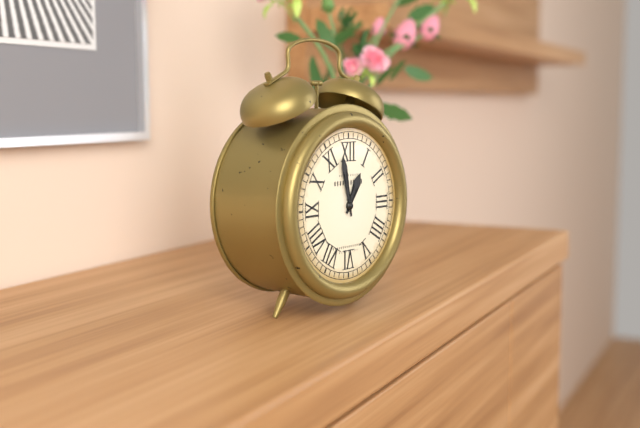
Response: 12:58
